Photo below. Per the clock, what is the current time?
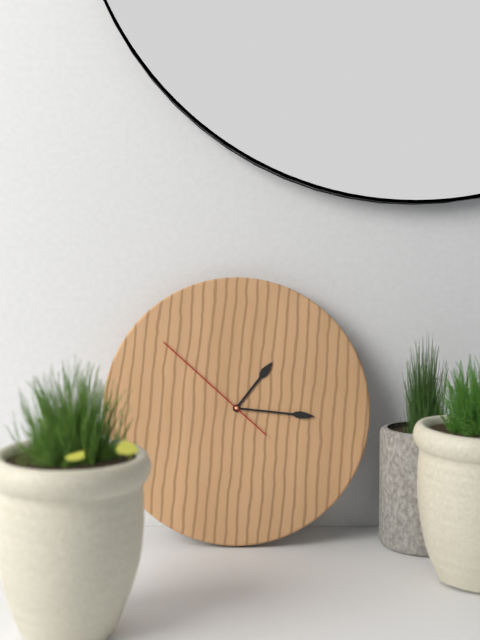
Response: 1:16:52
